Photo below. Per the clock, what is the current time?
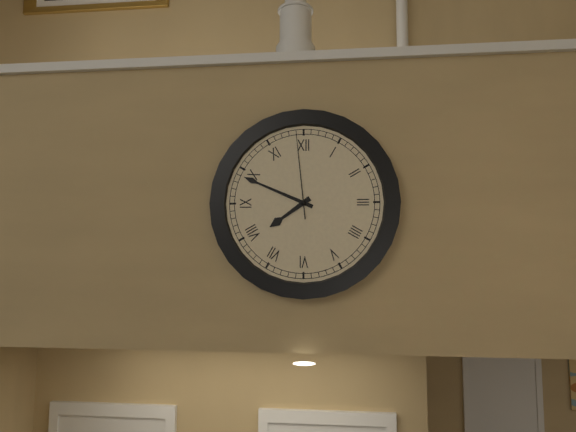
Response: 7:49:59
